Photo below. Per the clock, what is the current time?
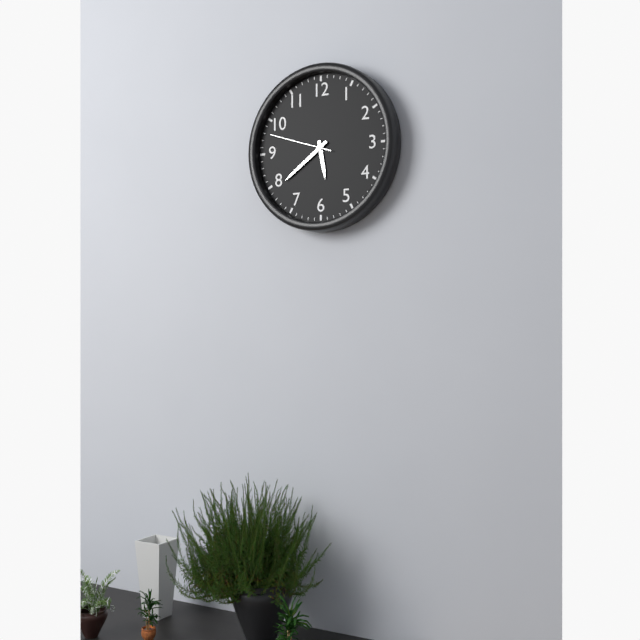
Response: 5:39:48
